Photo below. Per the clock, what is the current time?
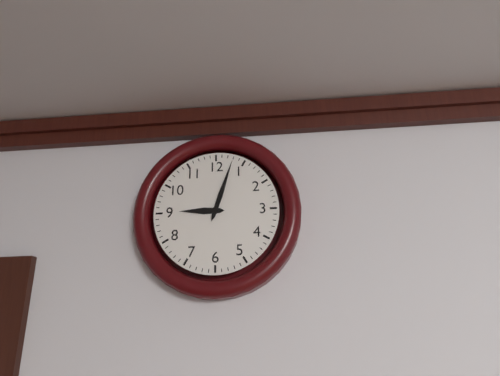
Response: 9:03
